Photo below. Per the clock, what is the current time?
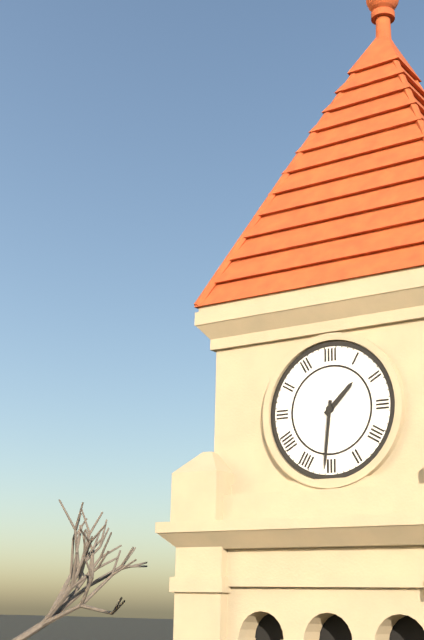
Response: 1:31
